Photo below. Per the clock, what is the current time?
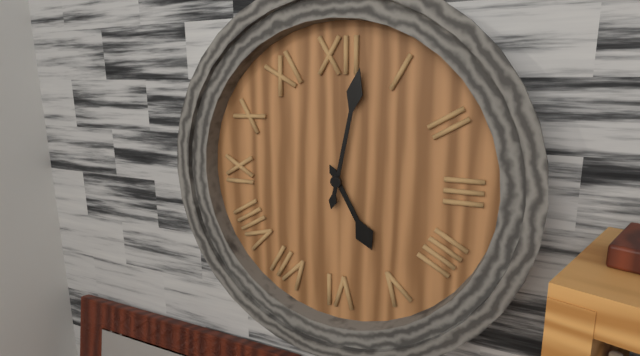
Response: 5:02
